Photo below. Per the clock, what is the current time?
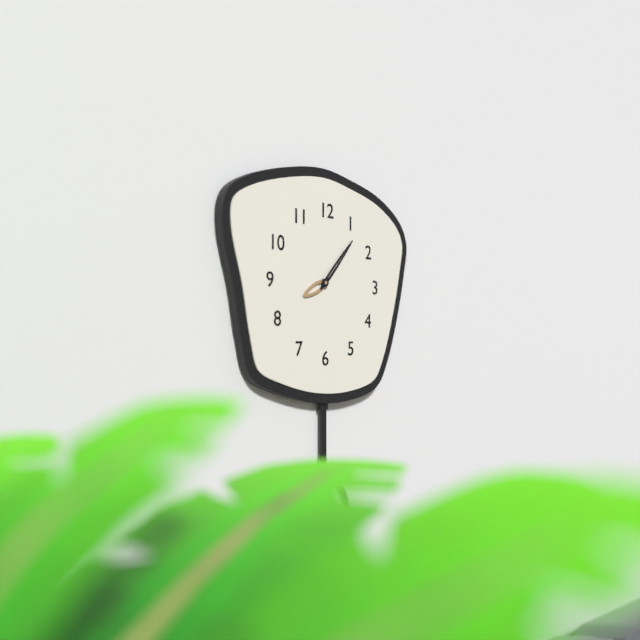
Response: 8:07
